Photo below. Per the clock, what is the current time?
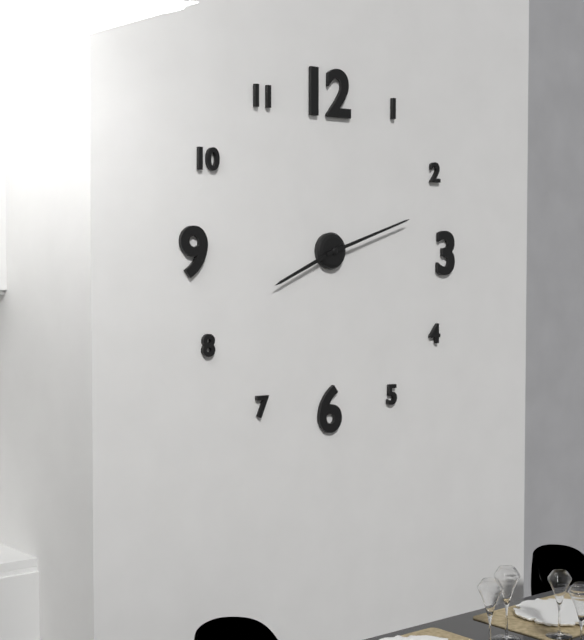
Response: 8:12
